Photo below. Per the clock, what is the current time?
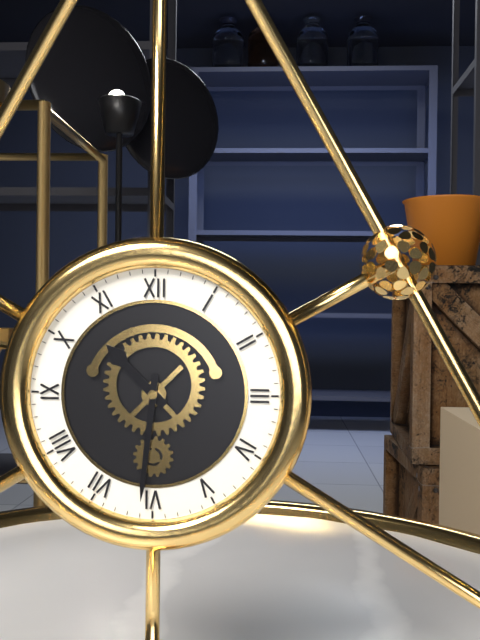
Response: 10:31
